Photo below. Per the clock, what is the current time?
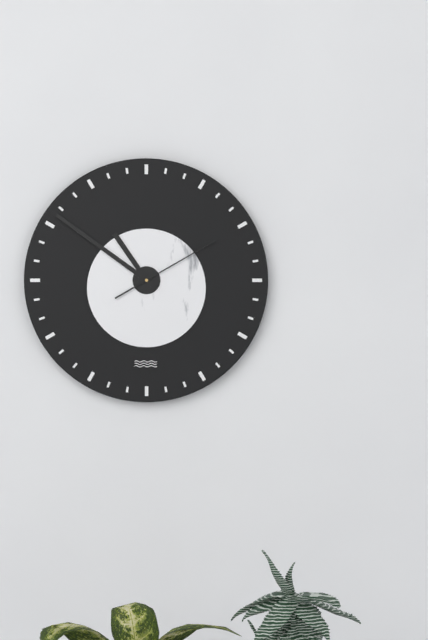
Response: 10:51:10
